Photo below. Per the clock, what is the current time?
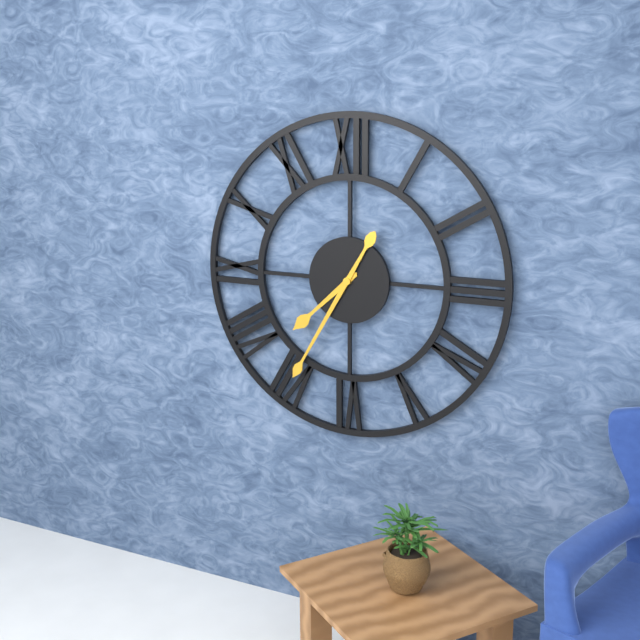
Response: 7:35
